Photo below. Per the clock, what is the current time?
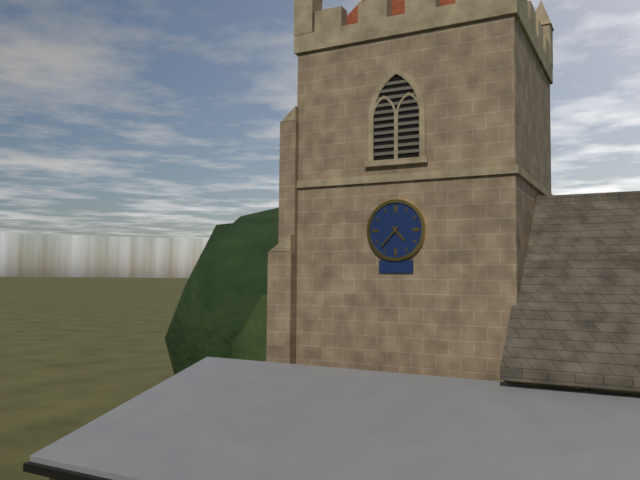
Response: 4:37
